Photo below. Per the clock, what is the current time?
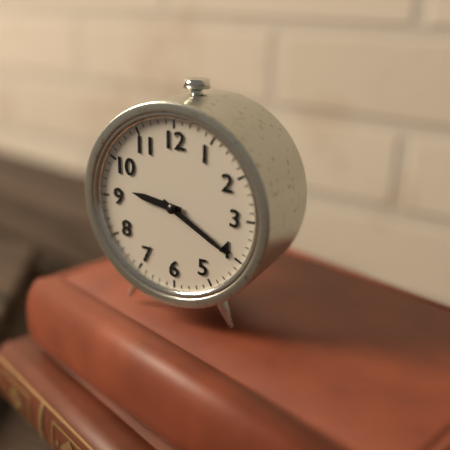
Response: 9:20
